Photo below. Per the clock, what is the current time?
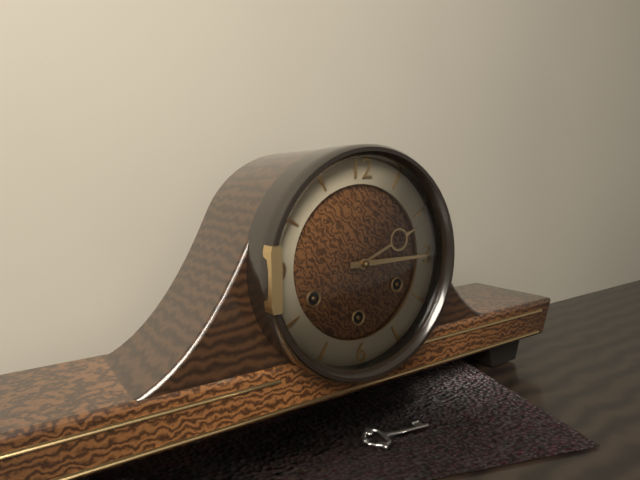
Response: 2:15
